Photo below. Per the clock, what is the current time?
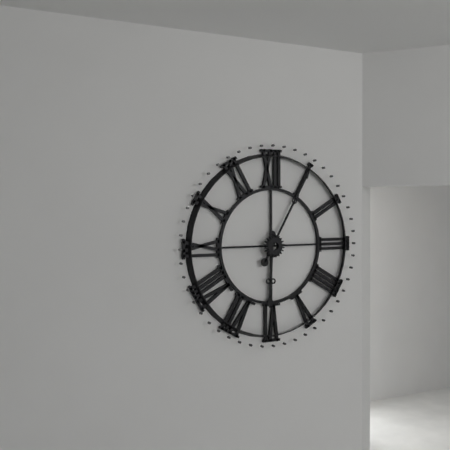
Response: 6:05
